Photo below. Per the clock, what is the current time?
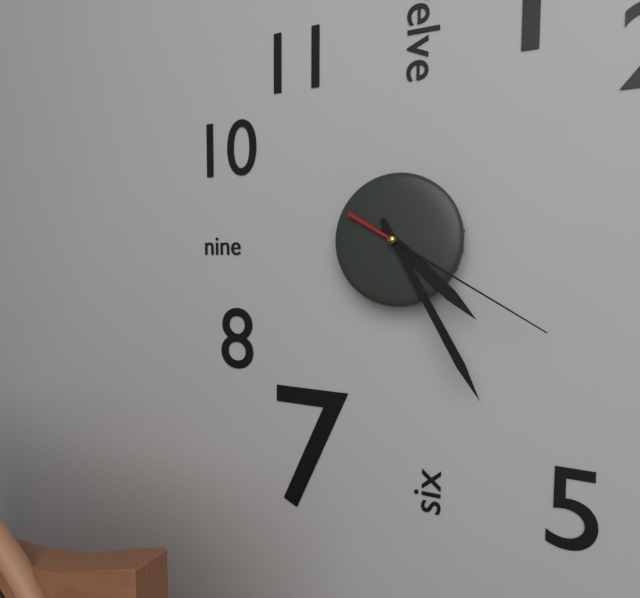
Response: 4:25:20
